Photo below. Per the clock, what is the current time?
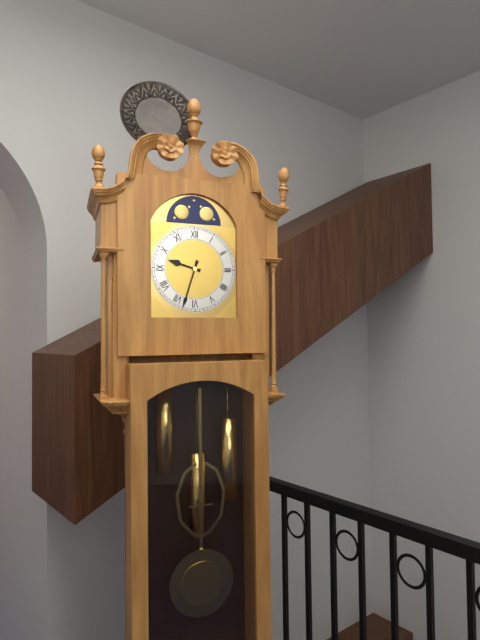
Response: 9:33
